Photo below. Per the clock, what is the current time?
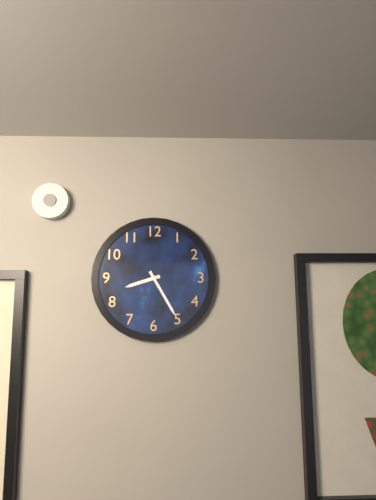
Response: 8:25
